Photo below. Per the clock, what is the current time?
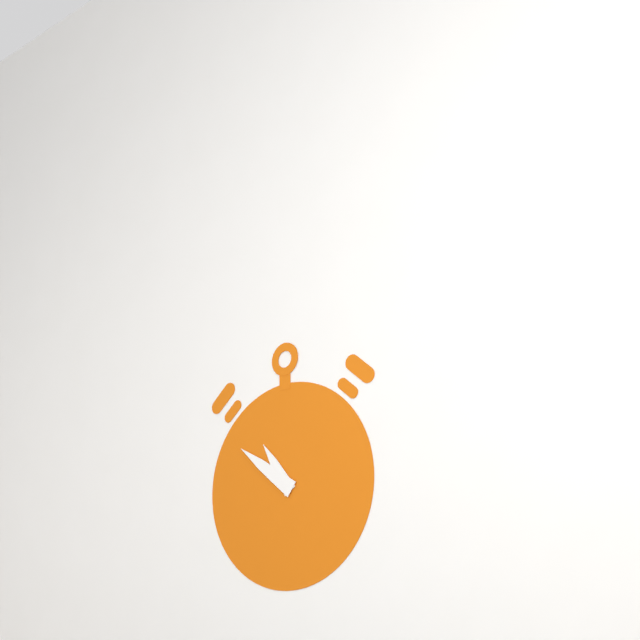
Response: 10:51
